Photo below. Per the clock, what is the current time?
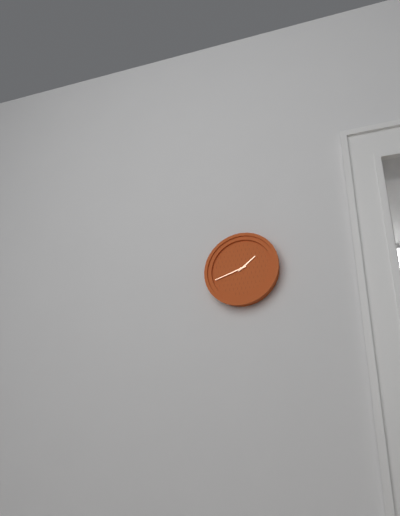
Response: 1:42
